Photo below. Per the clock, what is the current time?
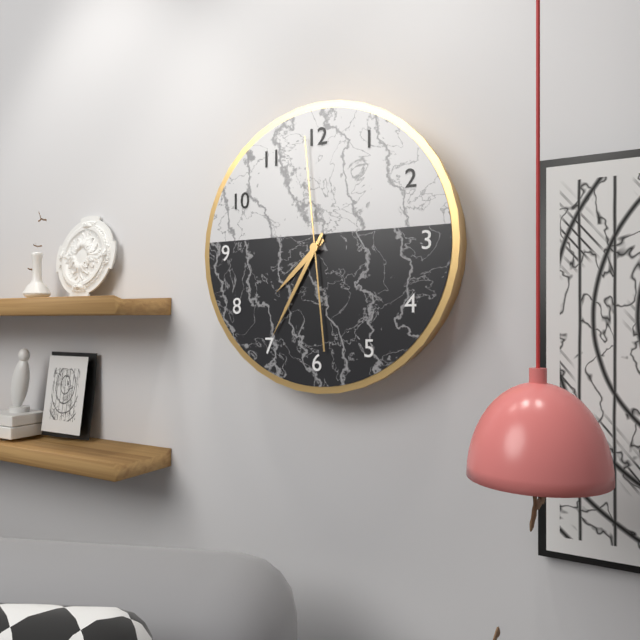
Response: 7:35:59
